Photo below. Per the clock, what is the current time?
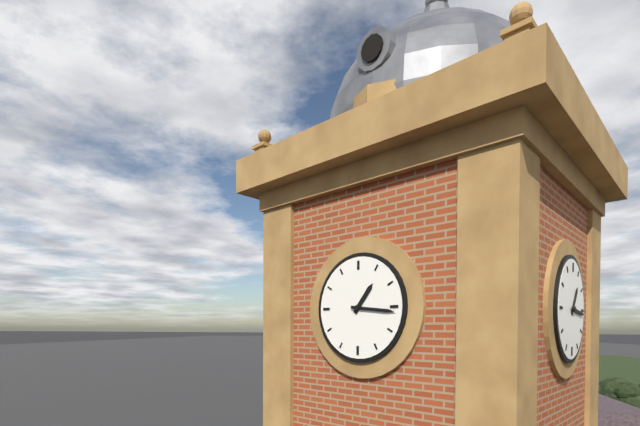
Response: 1:16
